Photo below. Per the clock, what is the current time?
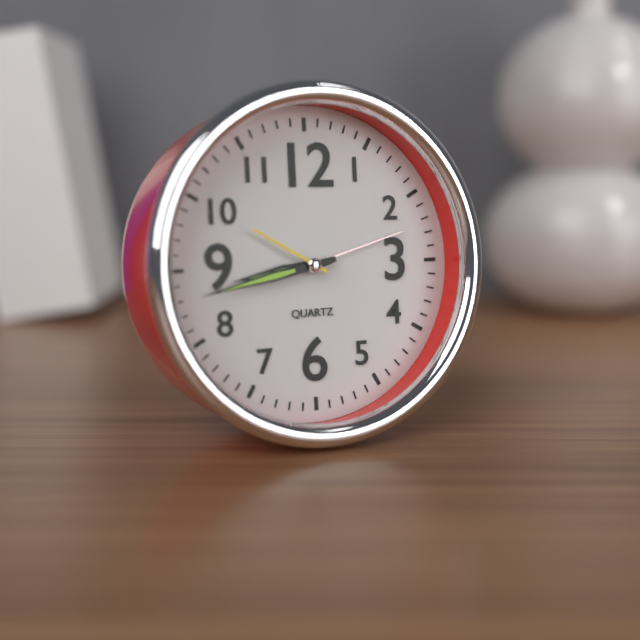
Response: 8:43:50
